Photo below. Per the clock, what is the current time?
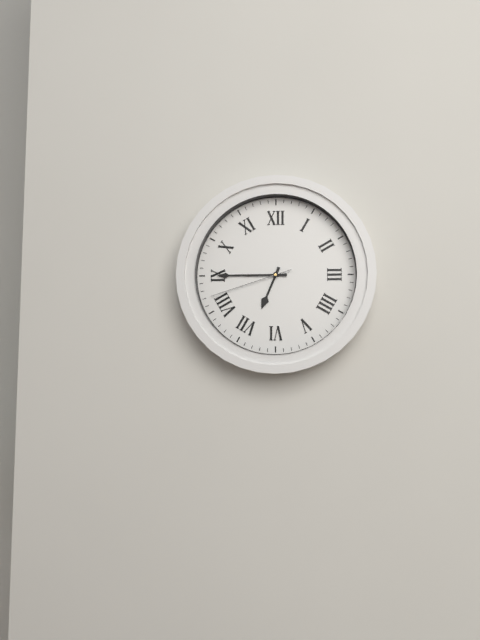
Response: 6:45:42
